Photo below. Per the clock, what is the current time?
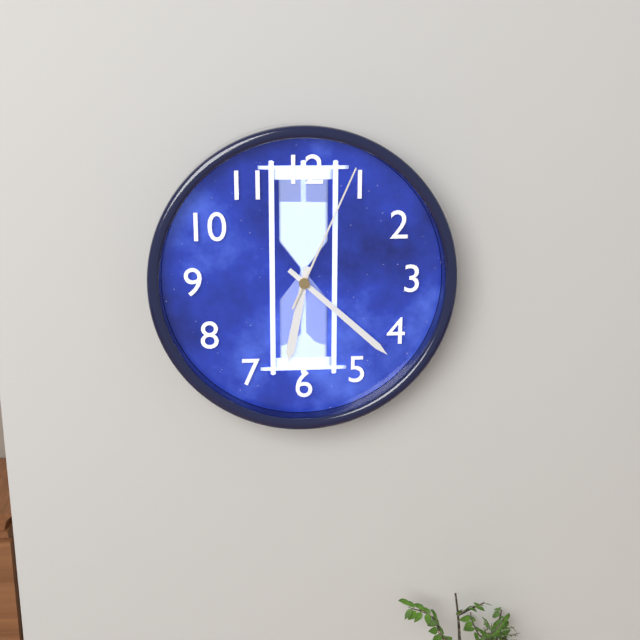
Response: 6:22:04
